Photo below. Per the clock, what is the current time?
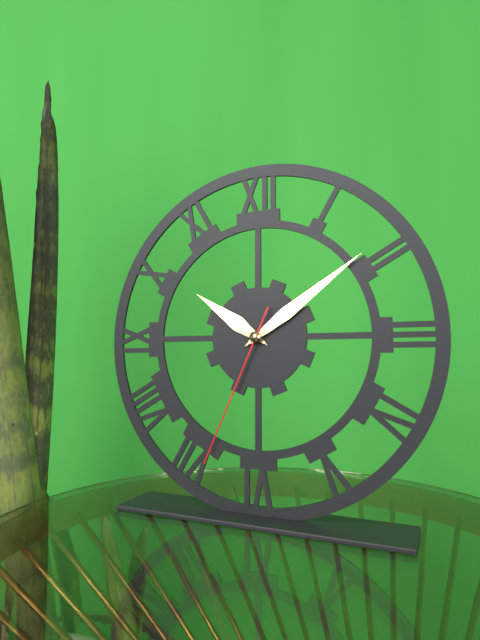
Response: 10:09:34
